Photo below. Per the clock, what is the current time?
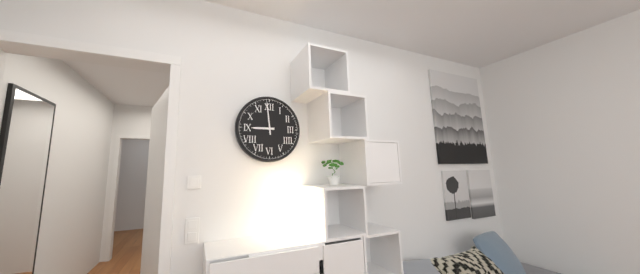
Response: 8:59
